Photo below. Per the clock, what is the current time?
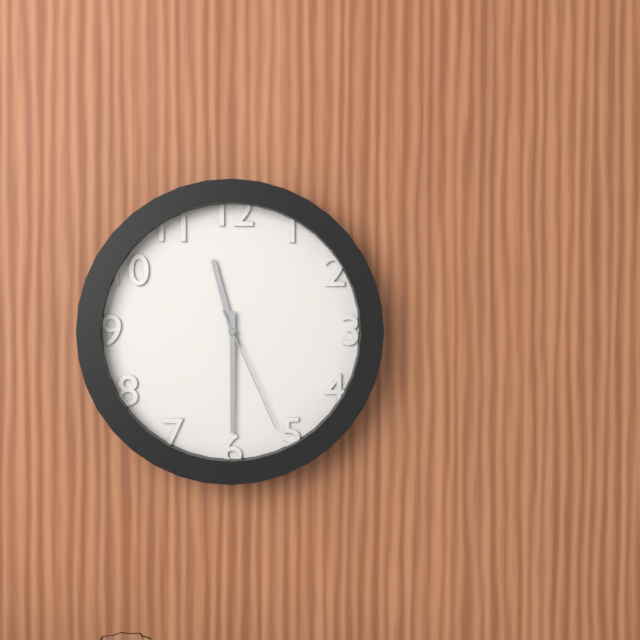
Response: 11:30:26
